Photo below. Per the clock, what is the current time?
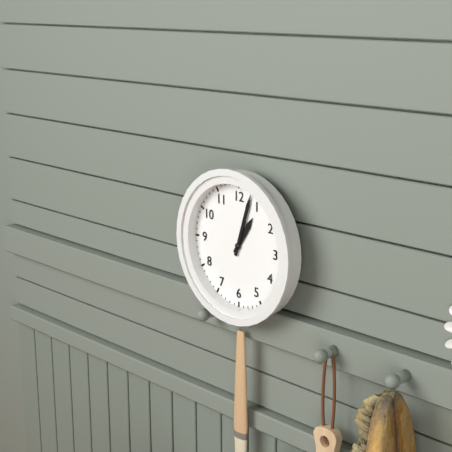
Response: 1:03
